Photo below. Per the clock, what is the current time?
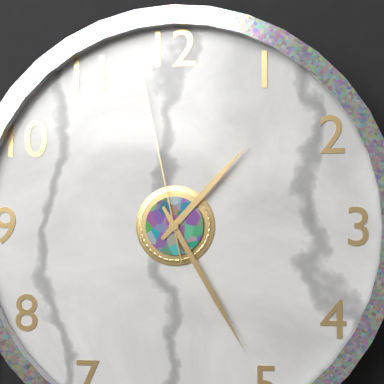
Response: 1:25:58
